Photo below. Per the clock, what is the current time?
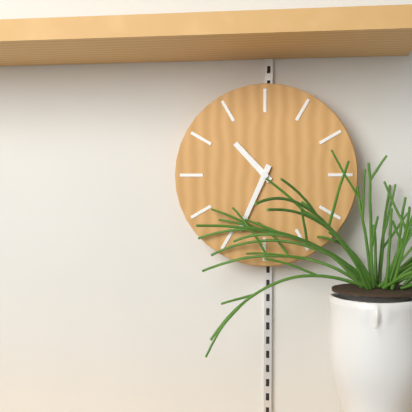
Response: 10:34
